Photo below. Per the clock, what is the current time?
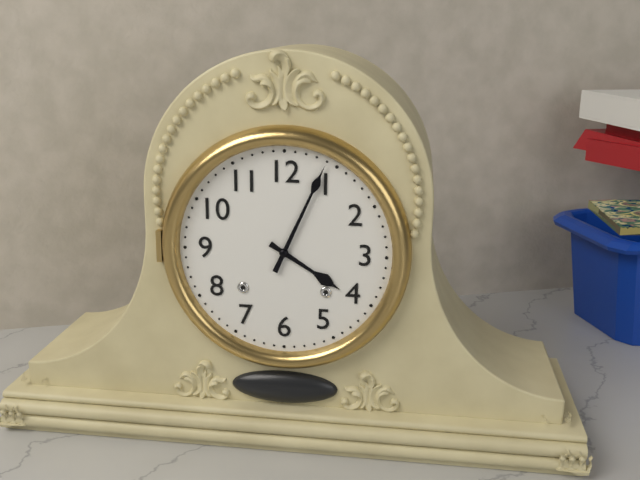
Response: 4:04
